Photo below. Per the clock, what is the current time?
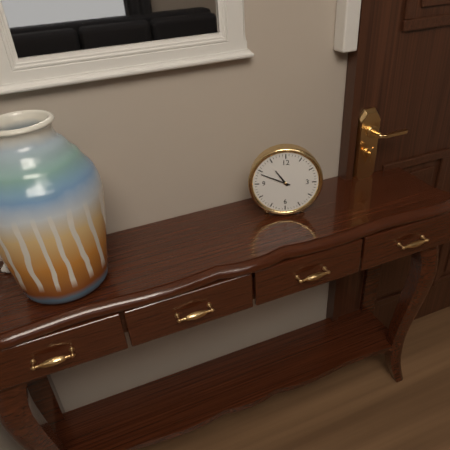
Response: 10:49
